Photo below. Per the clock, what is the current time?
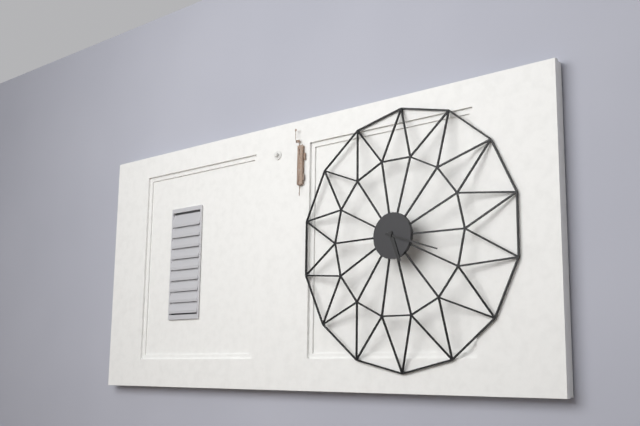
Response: 5:18
